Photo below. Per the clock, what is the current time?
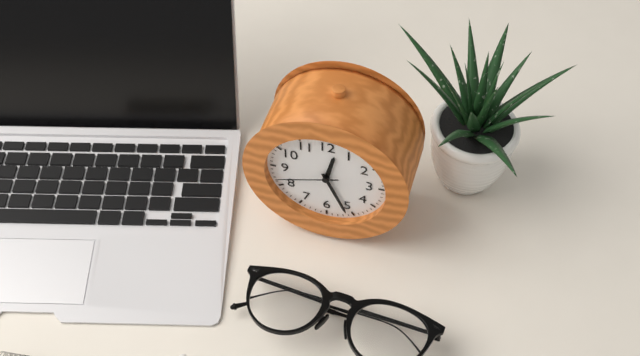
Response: 12:26:42
